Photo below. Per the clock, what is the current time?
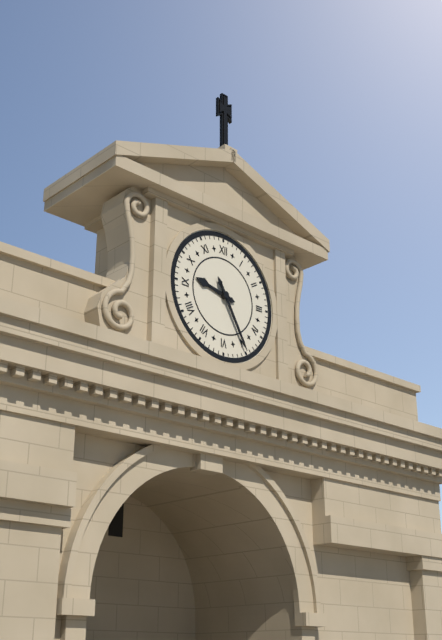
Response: 9:25
